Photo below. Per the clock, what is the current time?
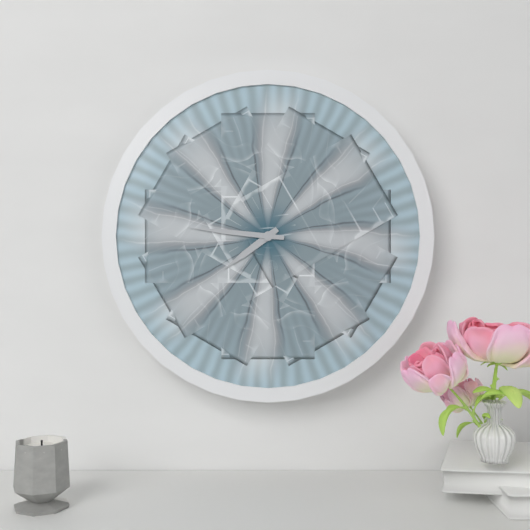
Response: 7:46
